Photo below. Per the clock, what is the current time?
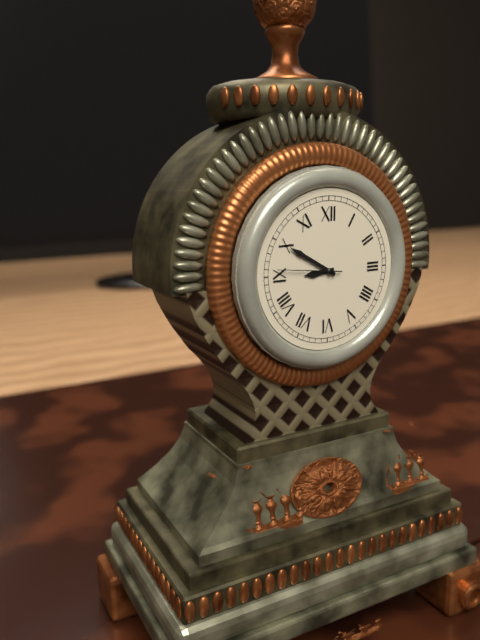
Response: 8:50:46
